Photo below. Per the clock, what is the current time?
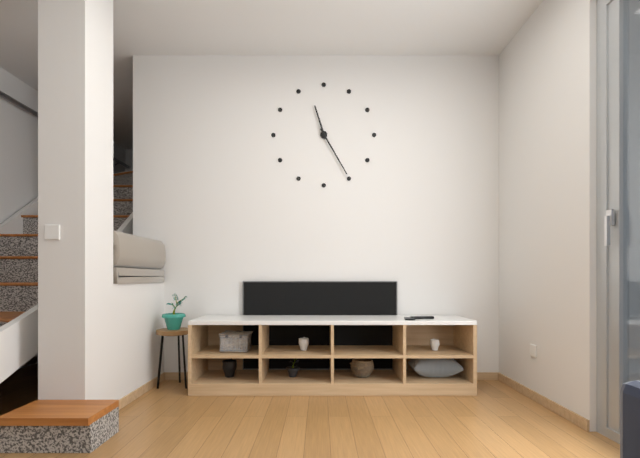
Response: 11:25
